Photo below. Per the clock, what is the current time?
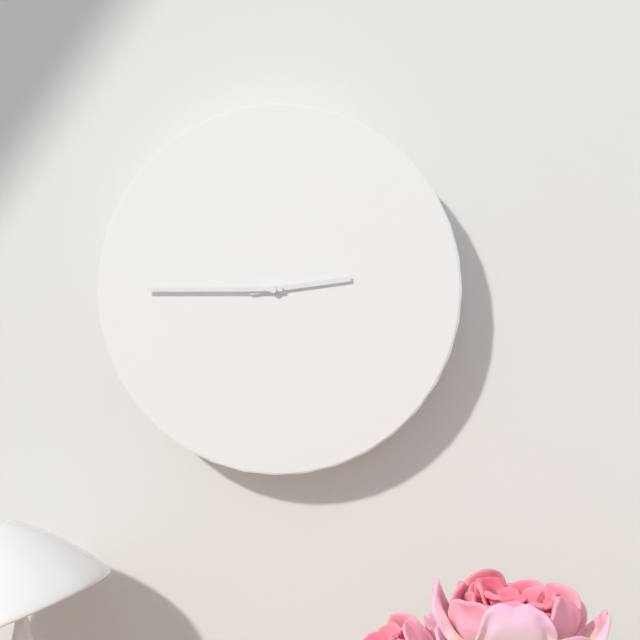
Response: 2:45
